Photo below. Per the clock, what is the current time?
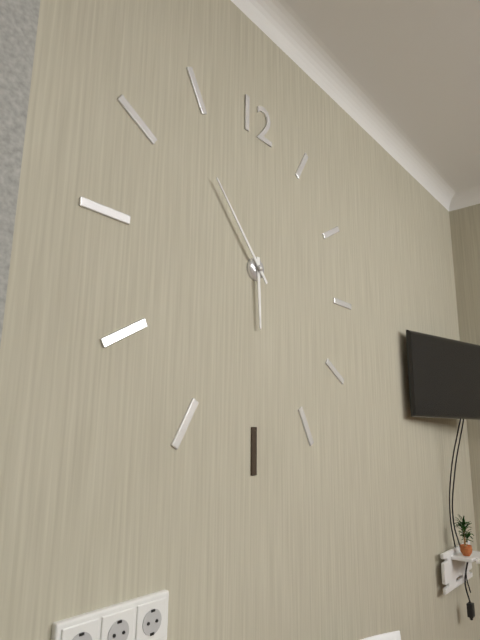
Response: 5:53
